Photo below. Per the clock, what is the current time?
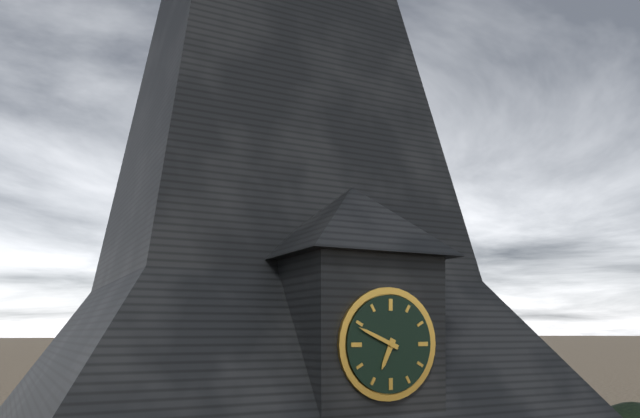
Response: 6:49
